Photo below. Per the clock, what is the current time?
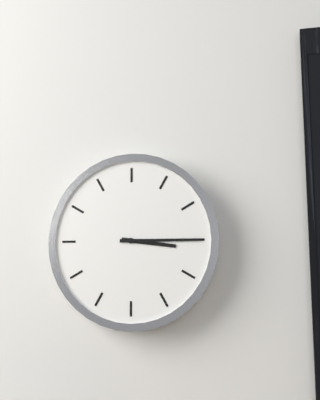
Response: 3:15
